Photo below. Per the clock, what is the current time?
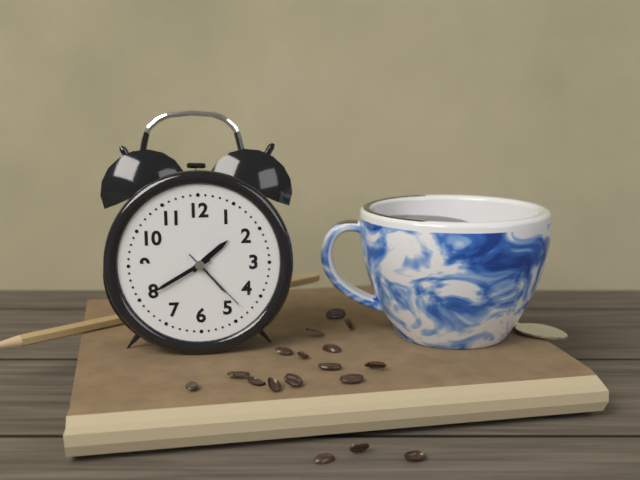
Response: 1:40:23
